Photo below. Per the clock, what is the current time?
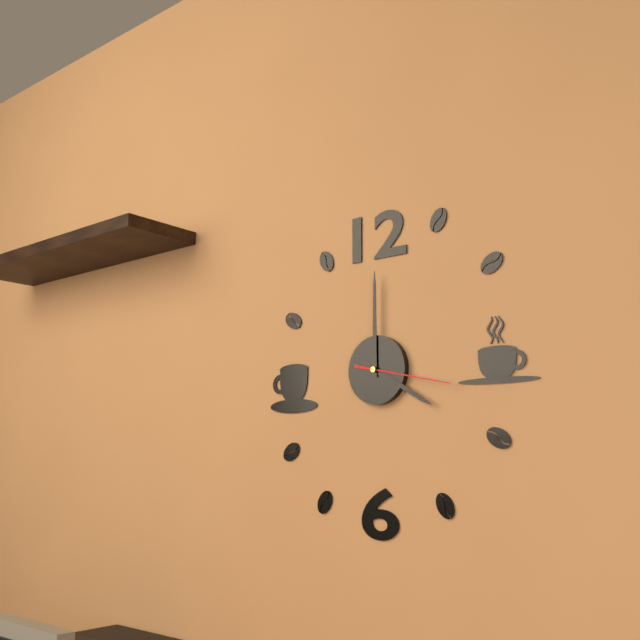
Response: 4:00:17
